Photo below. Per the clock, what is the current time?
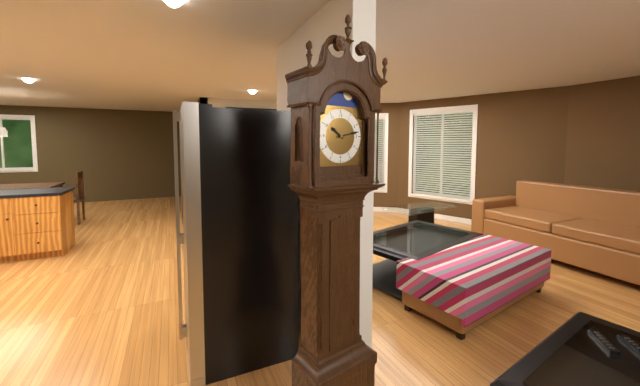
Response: 10:13
